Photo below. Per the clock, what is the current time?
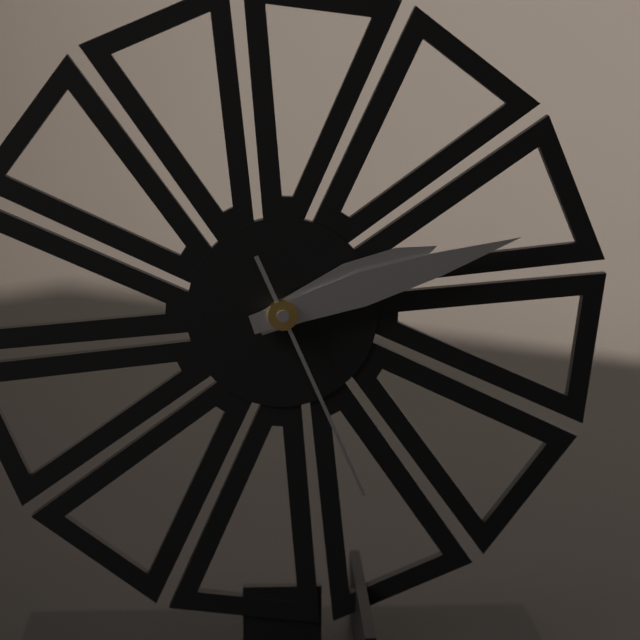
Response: 2:12:26
